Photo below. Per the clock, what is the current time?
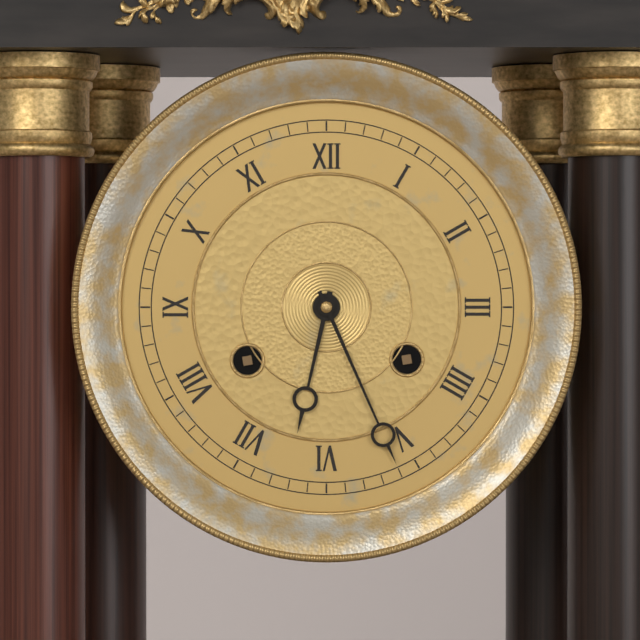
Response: 6:26
